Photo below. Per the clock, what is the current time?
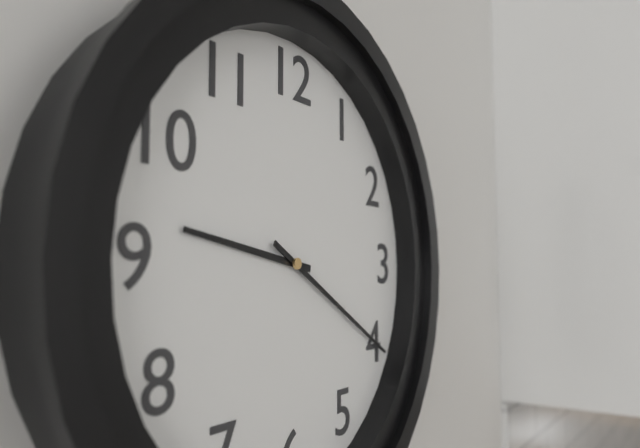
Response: 9:20
